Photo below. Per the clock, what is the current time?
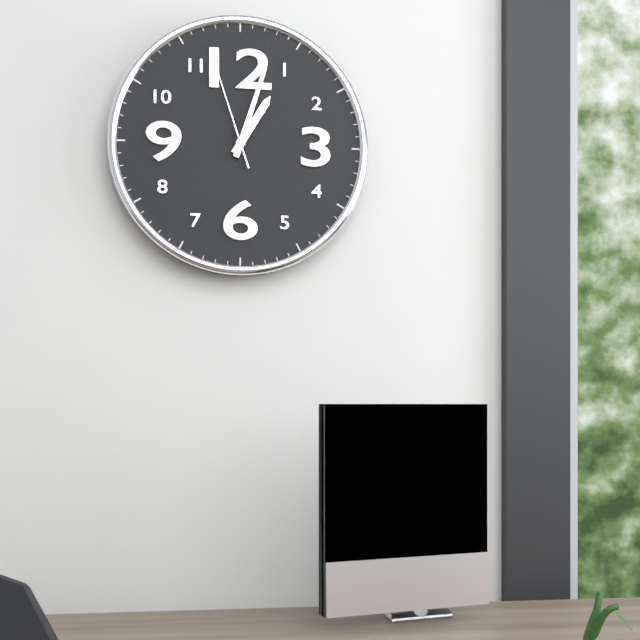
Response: 1:03:57
